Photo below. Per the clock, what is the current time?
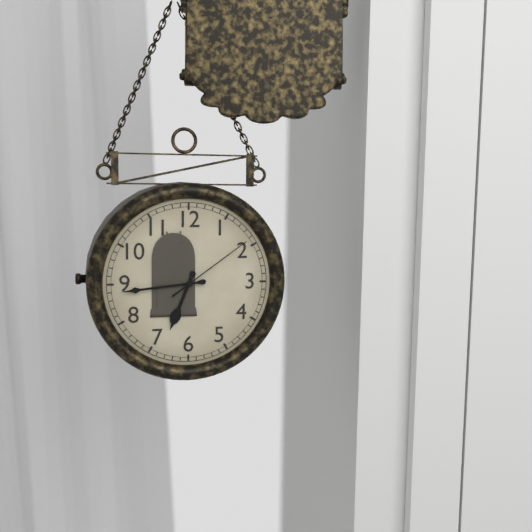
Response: 6:44:09
